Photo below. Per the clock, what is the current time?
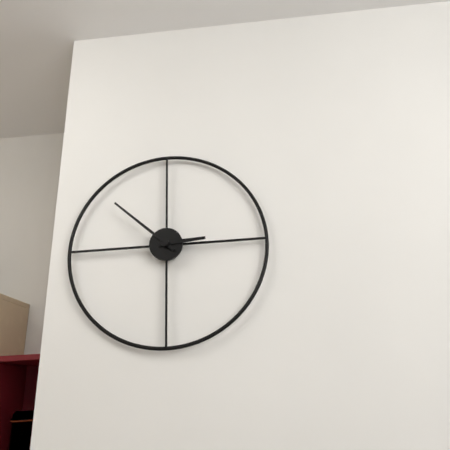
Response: 2:52
